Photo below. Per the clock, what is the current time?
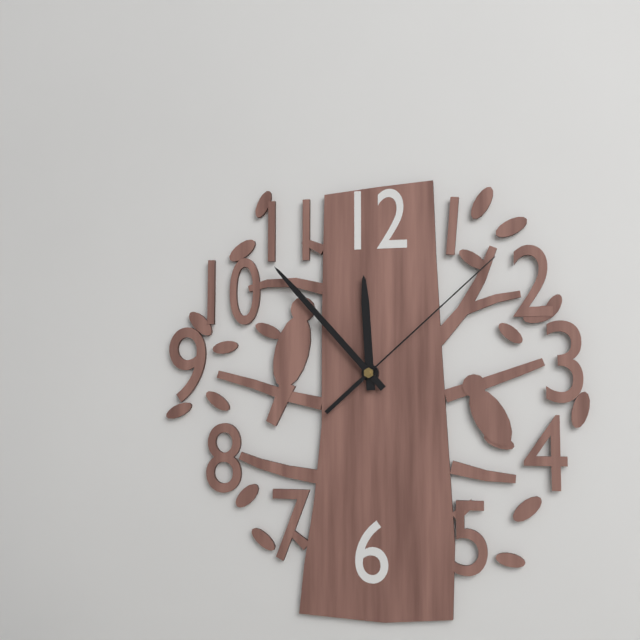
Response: 11:53:08
